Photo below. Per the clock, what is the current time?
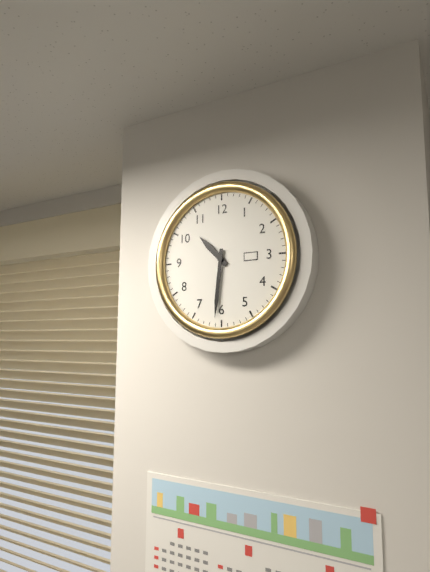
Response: 10:31
